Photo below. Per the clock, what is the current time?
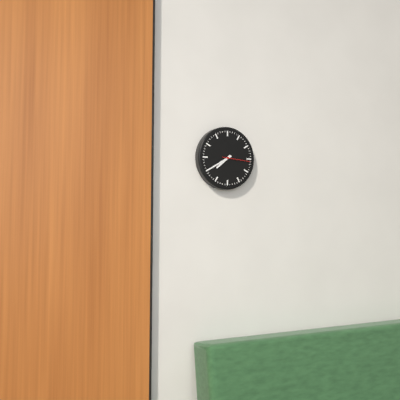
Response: 7:40
